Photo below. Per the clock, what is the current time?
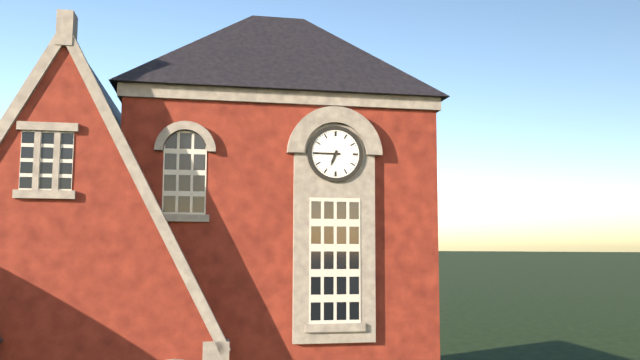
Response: 6:45
